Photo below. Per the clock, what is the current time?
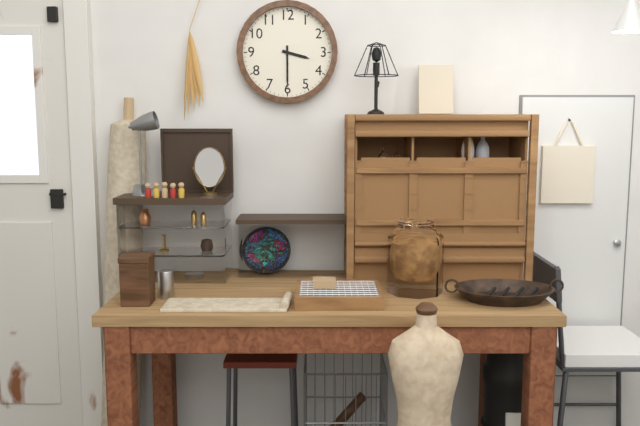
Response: 3:30
